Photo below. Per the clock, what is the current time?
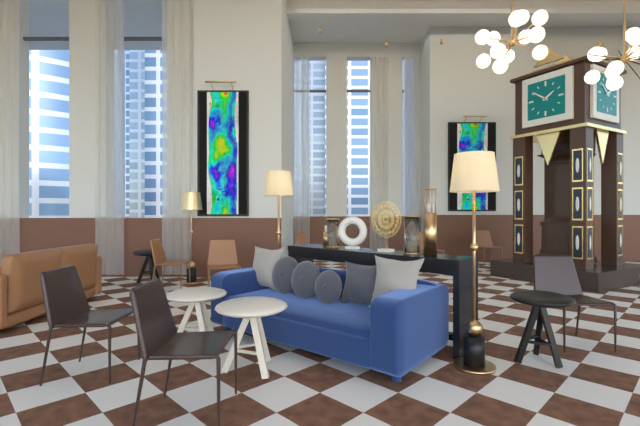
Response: 1:51
